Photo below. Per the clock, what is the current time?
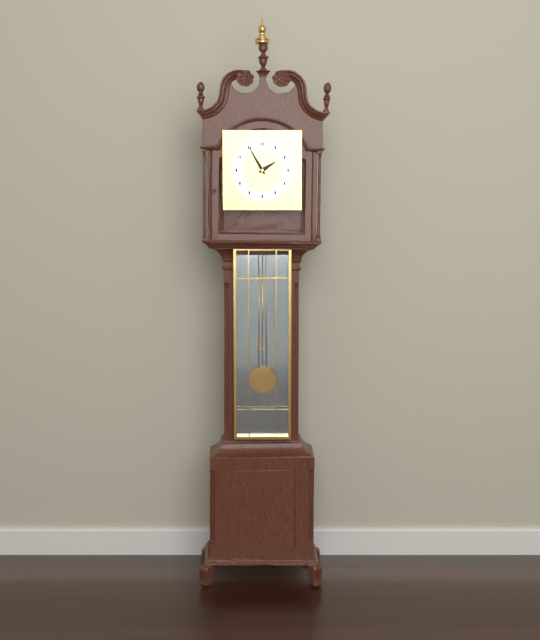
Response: 1:55
